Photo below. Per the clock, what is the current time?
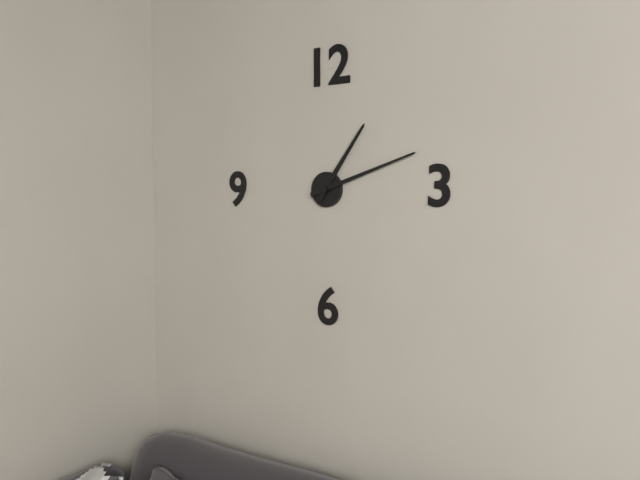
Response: 1:12
